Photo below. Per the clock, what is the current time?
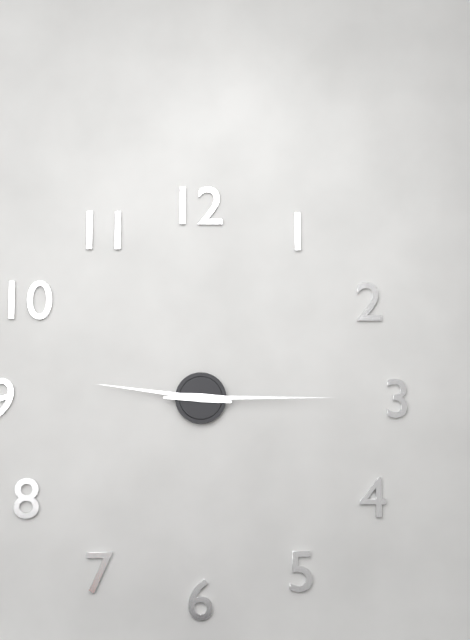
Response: 9:15
